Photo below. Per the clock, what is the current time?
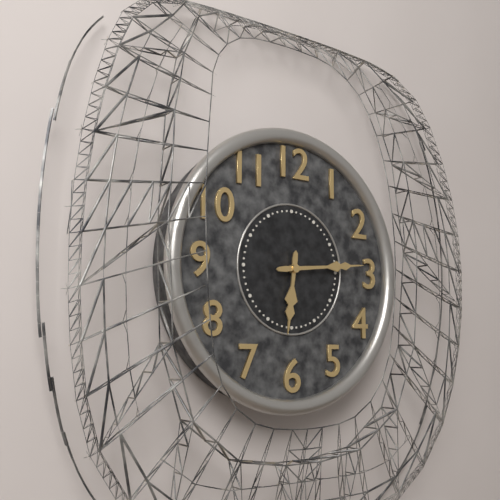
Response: 6:14
